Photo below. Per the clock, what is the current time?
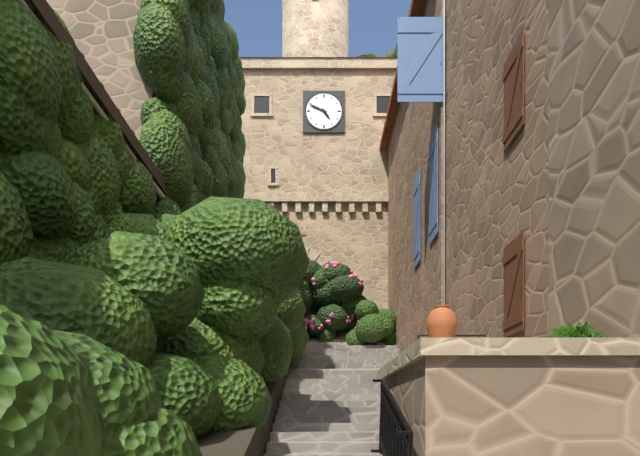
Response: 4:49
